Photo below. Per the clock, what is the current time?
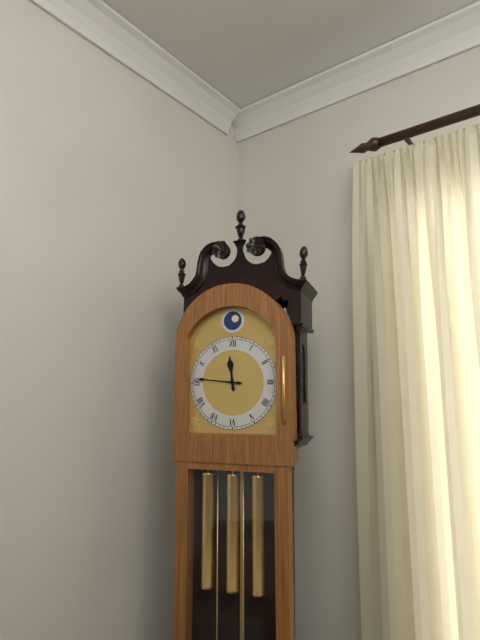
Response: 11:46
